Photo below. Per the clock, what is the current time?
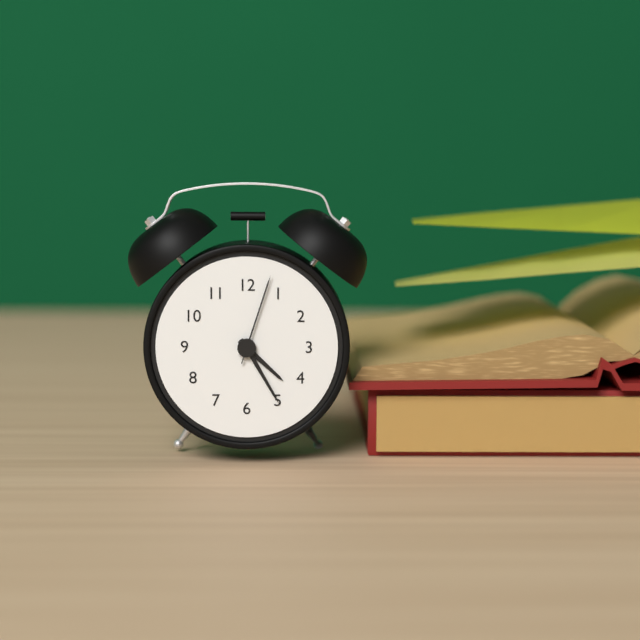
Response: 4:25:03
